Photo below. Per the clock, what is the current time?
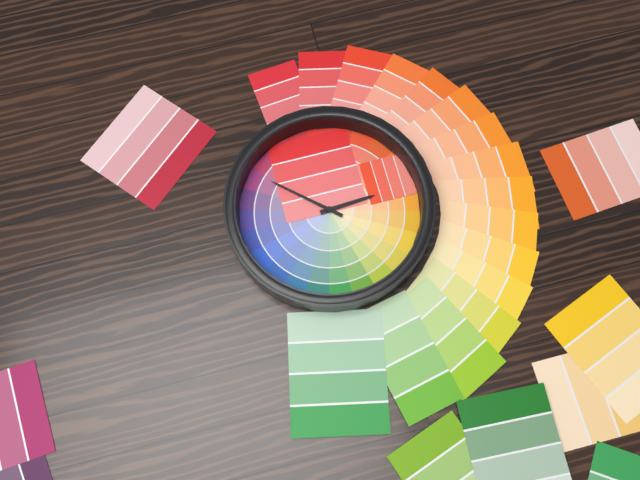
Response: 2:52
